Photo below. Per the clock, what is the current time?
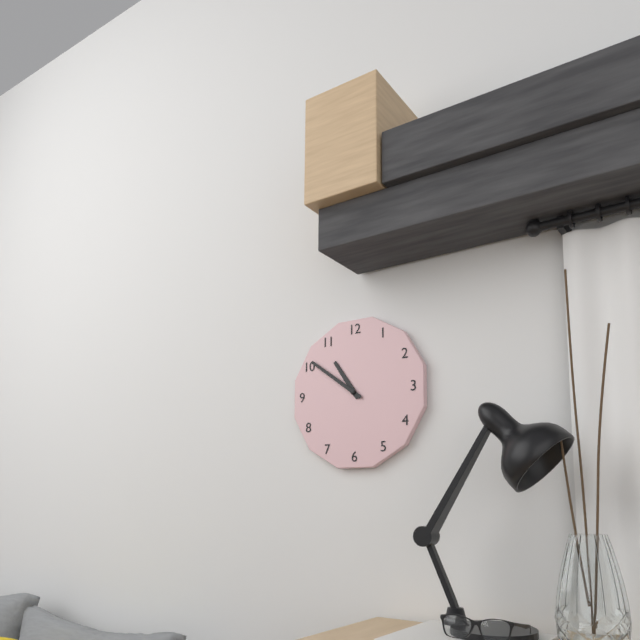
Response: 10:51
